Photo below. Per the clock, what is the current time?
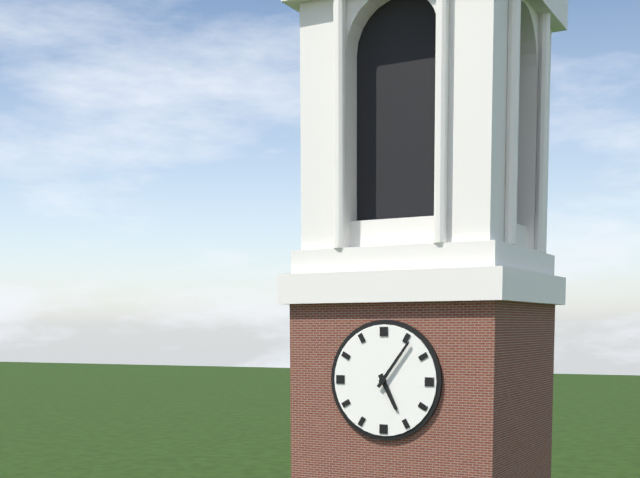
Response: 5:06
